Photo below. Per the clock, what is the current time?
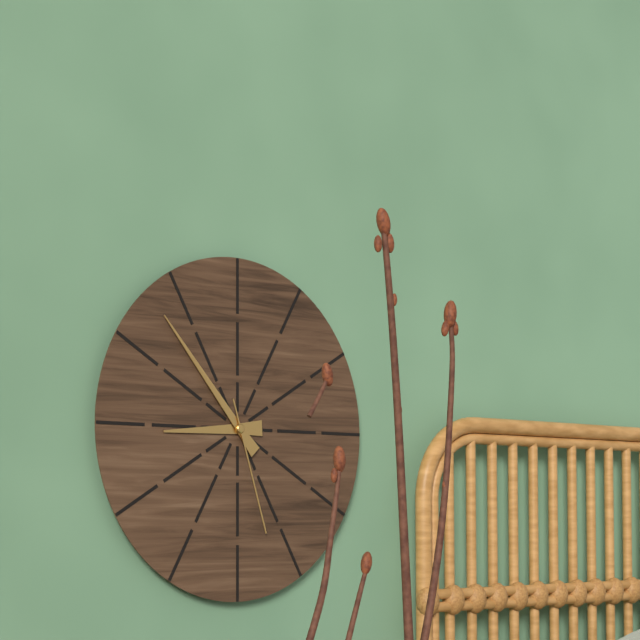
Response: 8:53:27
